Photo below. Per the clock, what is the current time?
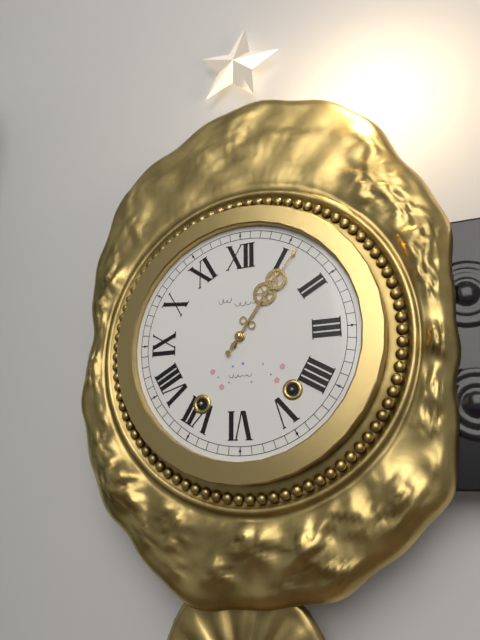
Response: 1:06
